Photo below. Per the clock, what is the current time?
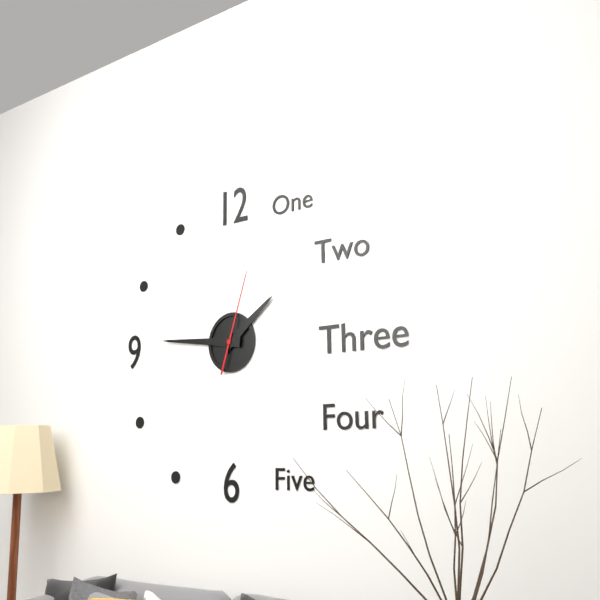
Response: 1:46:03
